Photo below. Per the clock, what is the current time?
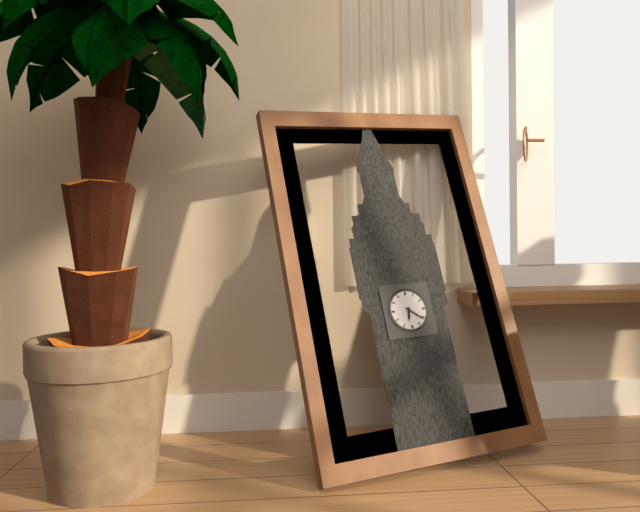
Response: 6:21
